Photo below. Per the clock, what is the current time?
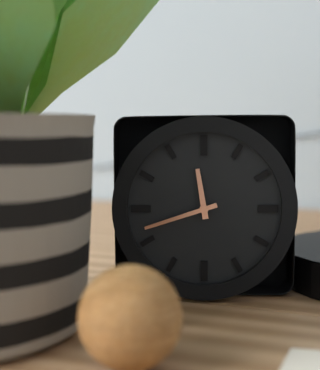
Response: 11:42
